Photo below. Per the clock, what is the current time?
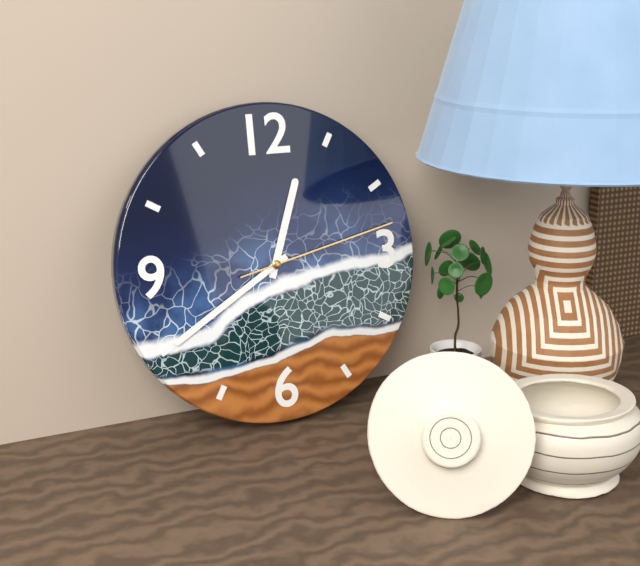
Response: 12:40:13
